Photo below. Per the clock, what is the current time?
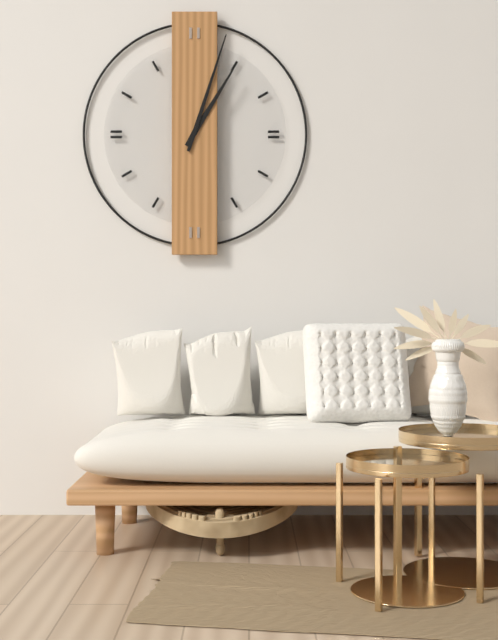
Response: 1:03
